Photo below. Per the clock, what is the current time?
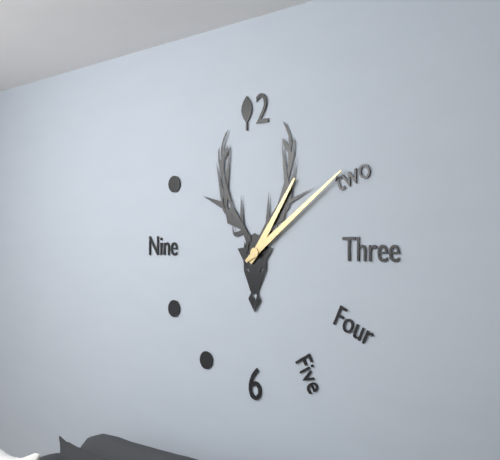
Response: 1:09
